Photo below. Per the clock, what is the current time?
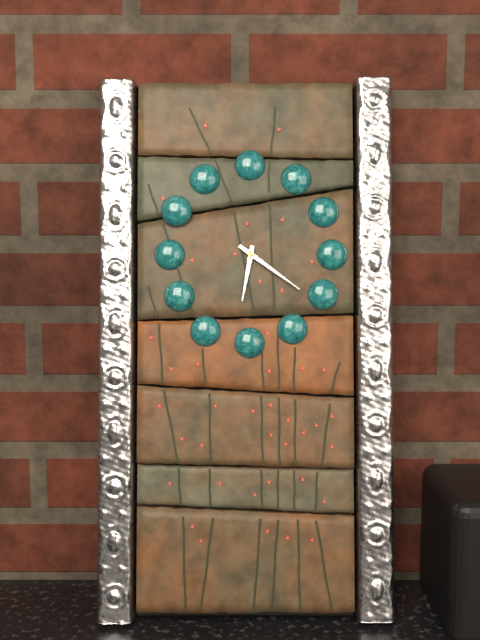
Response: 6:21
